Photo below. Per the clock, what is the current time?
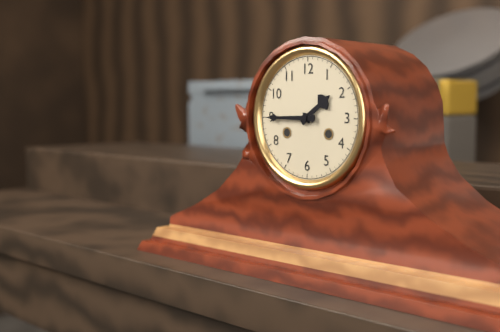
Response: 1:45
